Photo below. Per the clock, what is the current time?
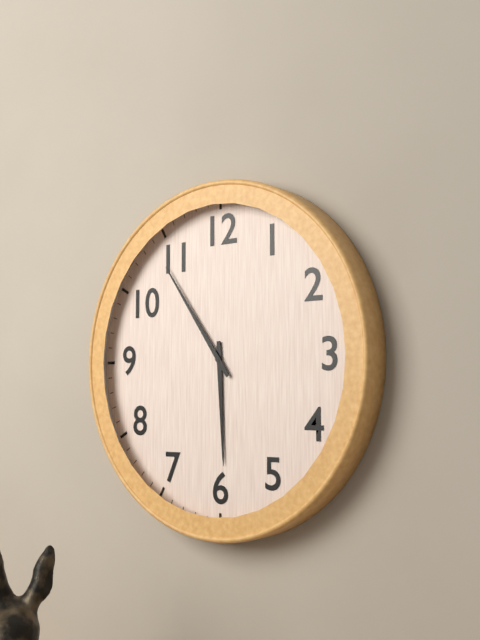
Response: 5:54
